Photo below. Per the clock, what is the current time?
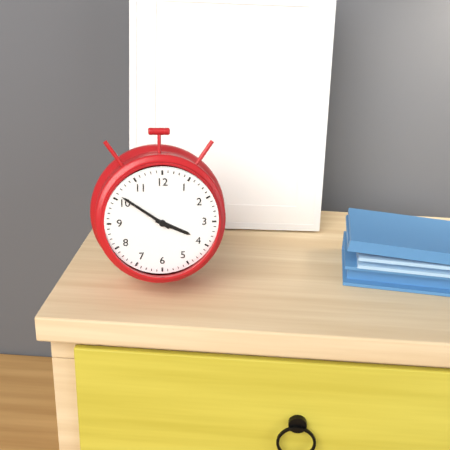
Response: 3:51
